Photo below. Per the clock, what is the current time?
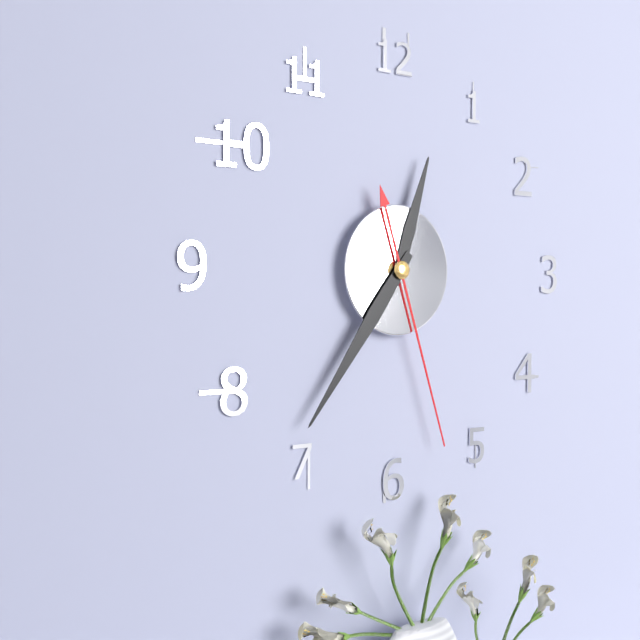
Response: 12:36:27
